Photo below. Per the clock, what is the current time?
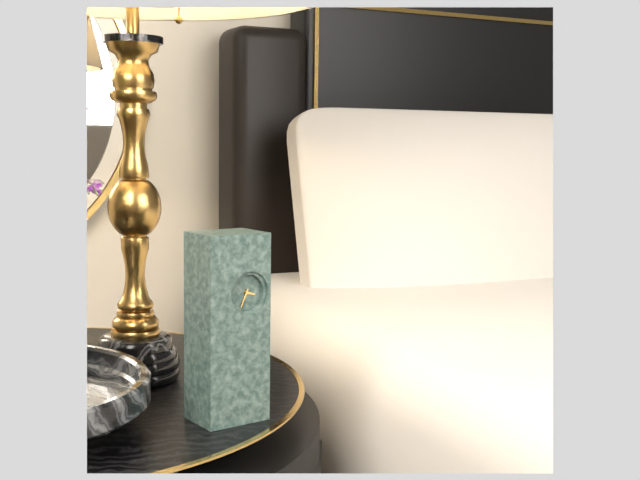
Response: 3:34
